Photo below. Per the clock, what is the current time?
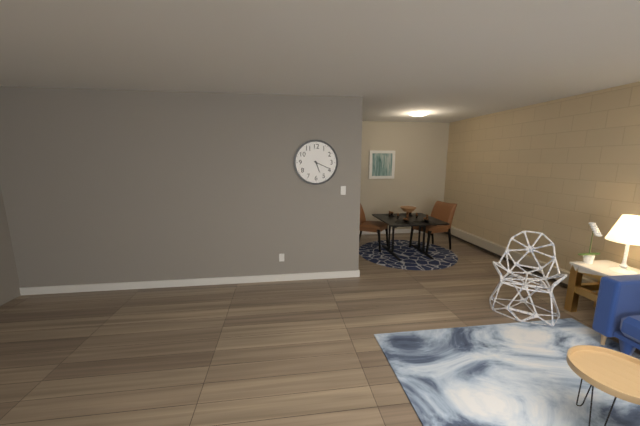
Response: 5:19
